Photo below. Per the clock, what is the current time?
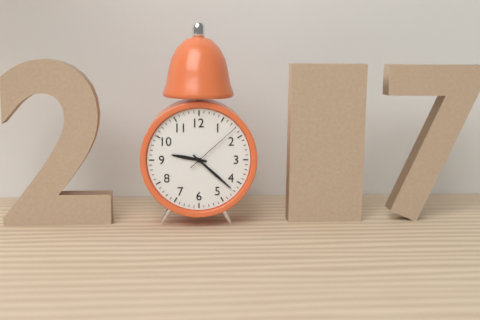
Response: 9:22:08
